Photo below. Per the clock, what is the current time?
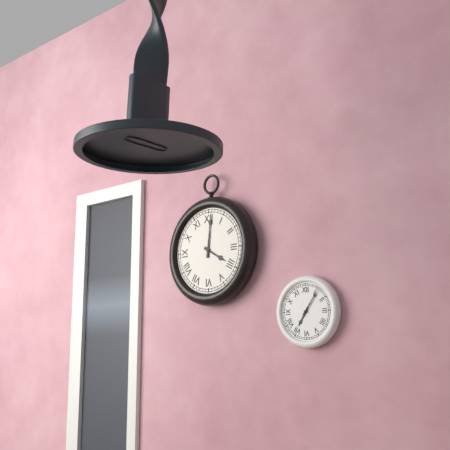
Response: 4:01
